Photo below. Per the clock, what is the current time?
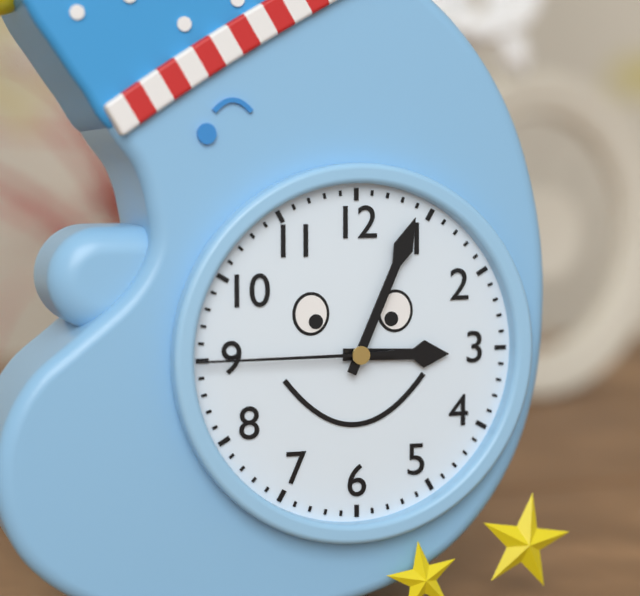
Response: 3:04:45
